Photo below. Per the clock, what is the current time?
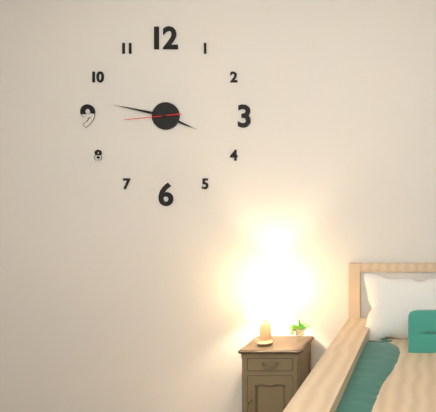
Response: 3:47:44
